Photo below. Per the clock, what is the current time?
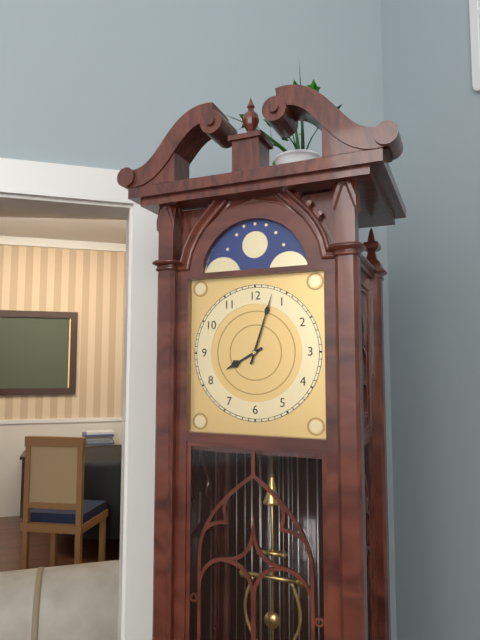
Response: 8:03
